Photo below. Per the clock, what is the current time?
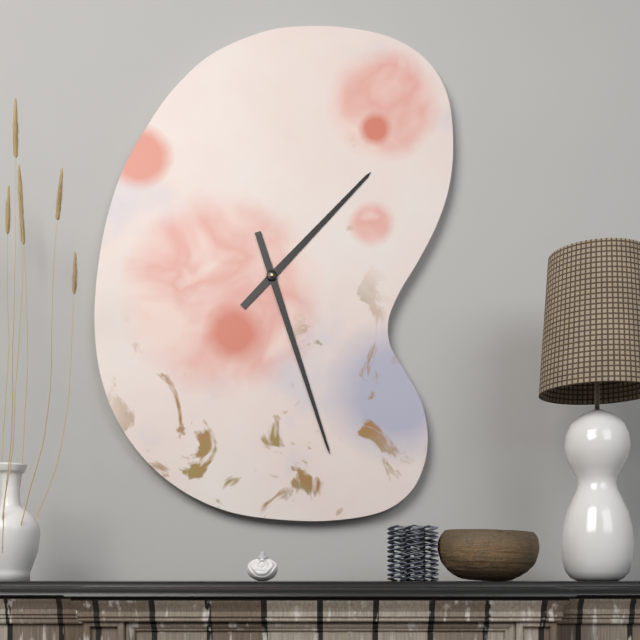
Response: 1:27
